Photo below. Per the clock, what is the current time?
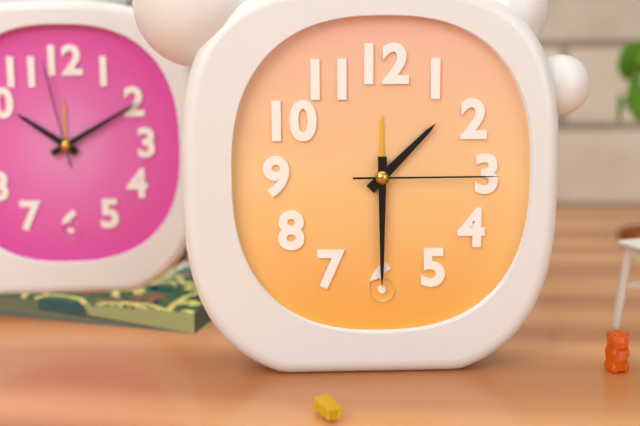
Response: 1:30:15
